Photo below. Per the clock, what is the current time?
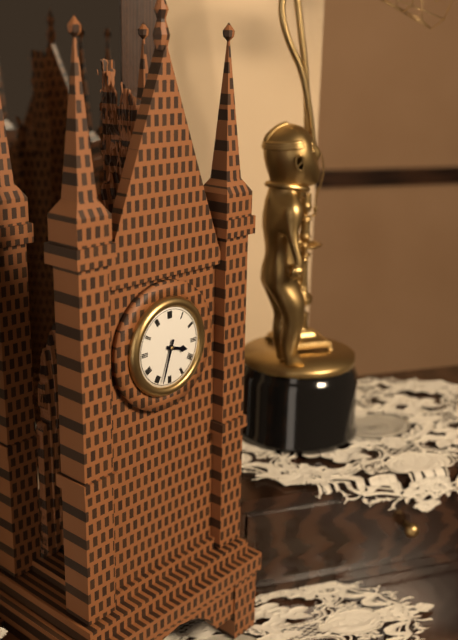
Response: 3:33
